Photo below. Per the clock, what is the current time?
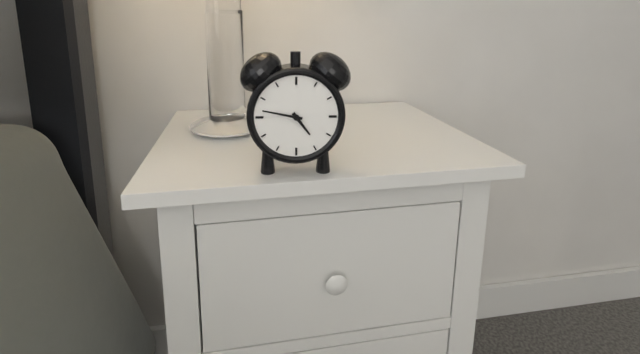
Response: 4:47
